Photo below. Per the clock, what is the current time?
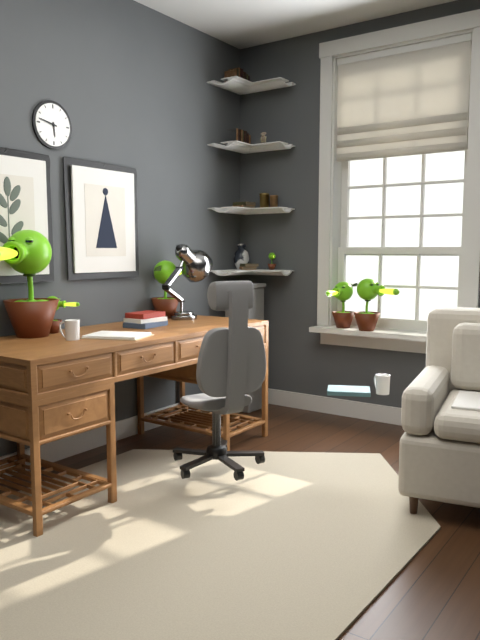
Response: 5:47
